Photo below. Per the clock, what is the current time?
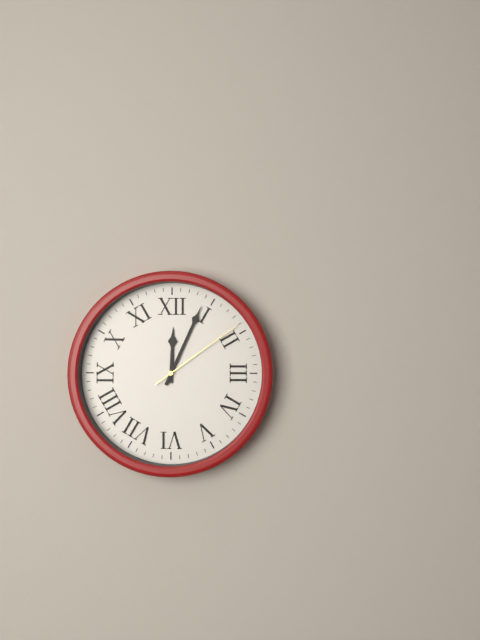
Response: 12:04:09
